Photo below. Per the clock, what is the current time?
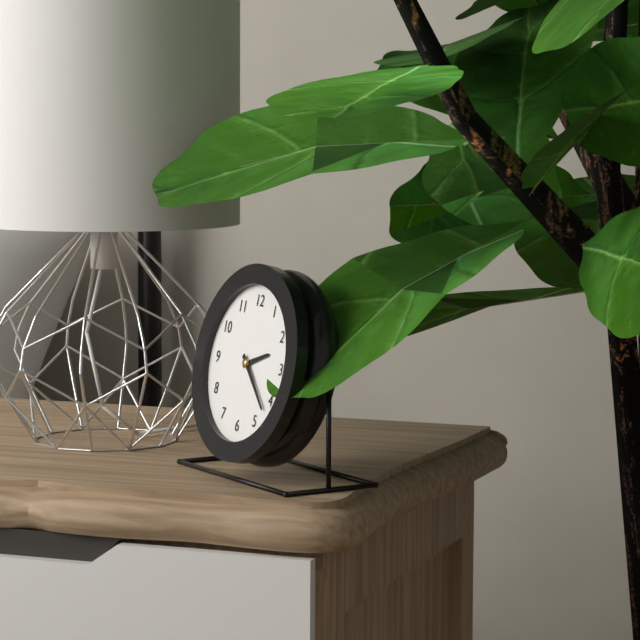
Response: 2:22
